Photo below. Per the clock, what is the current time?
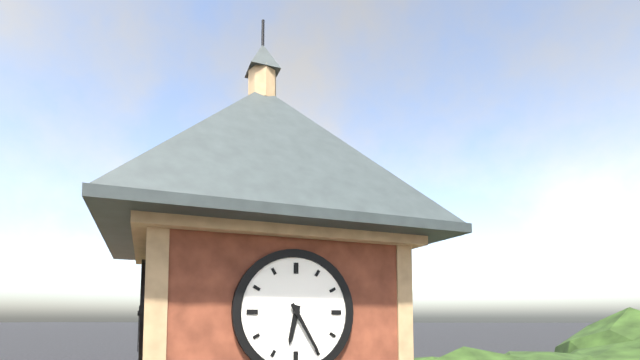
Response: 6:25
